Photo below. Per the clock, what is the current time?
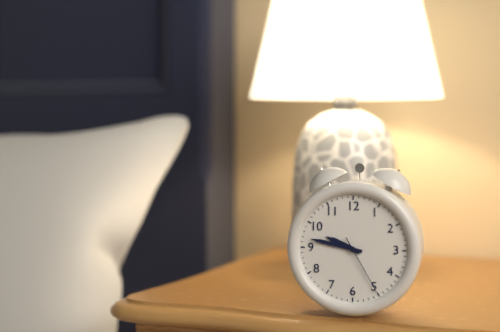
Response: 9:47:25
